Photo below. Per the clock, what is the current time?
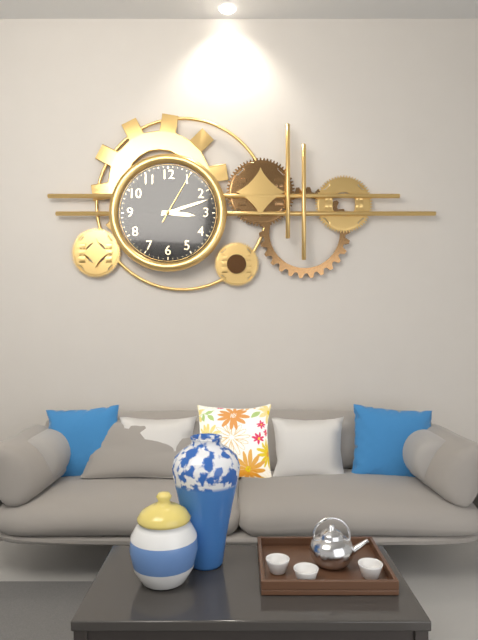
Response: 3:12:05
